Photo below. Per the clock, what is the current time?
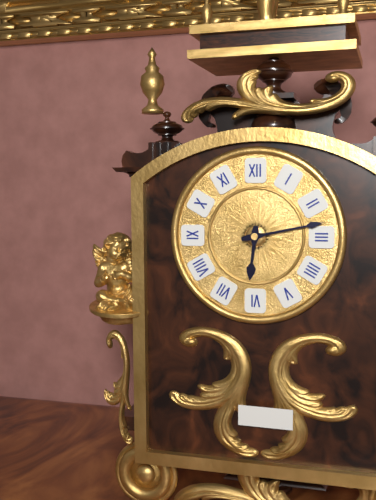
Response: 6:13
